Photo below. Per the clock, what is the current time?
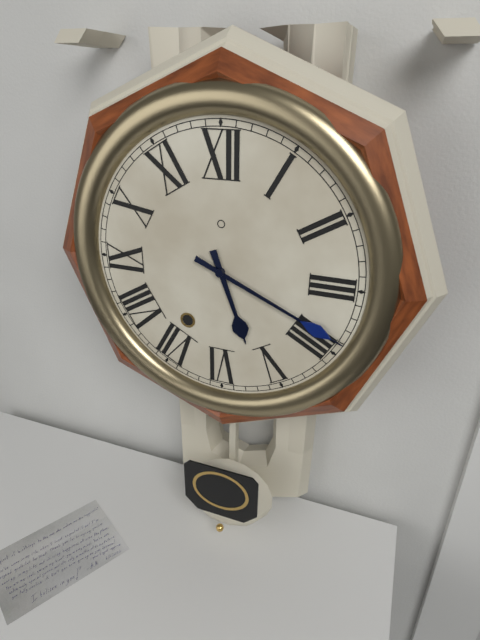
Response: 5:19
